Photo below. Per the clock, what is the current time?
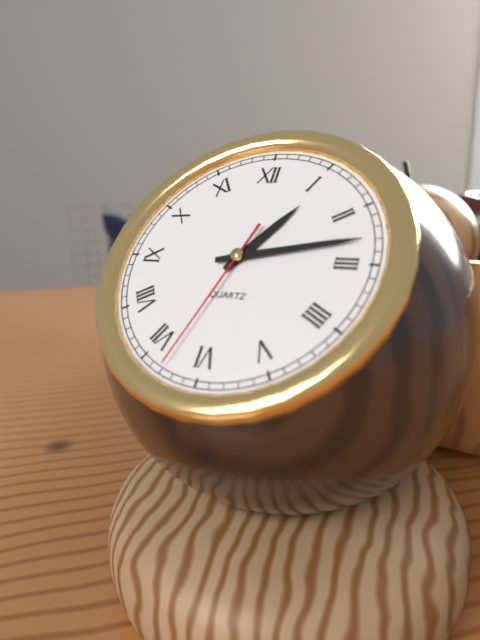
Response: 1:13:33
